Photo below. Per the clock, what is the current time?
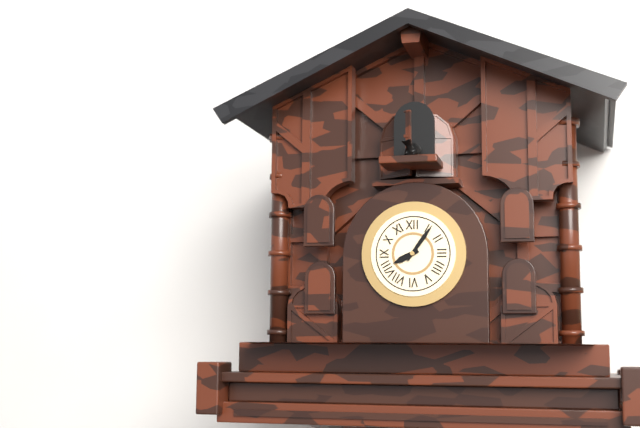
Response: 8:06
